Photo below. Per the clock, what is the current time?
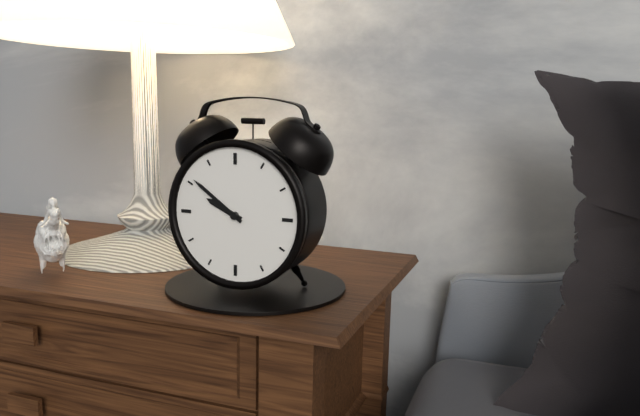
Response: 9:51
